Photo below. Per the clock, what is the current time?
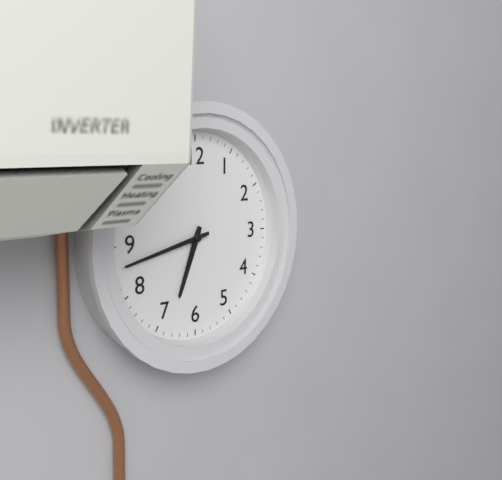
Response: 6:43
